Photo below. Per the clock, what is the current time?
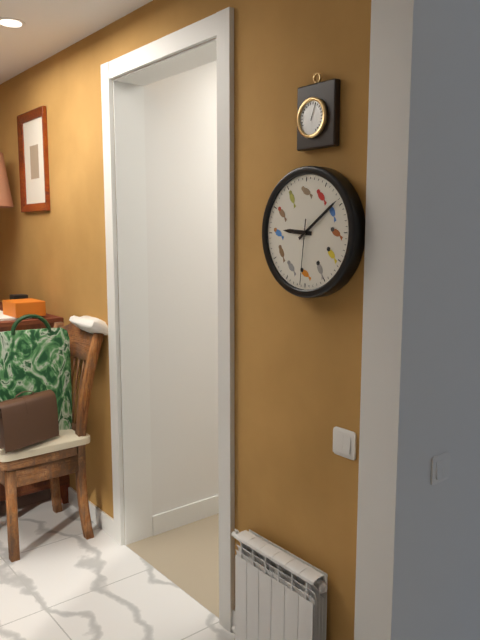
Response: 9:09:31
